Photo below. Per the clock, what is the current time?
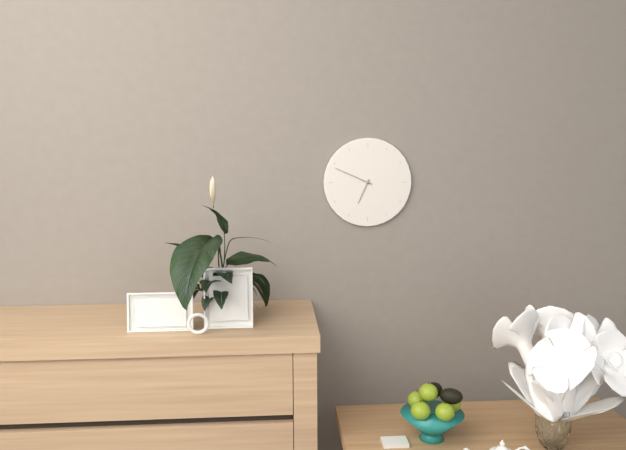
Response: 6:49
